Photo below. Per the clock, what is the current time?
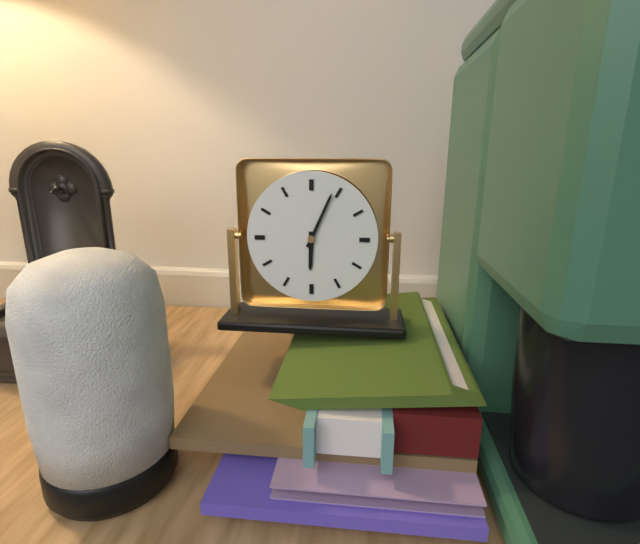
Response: 6:04
